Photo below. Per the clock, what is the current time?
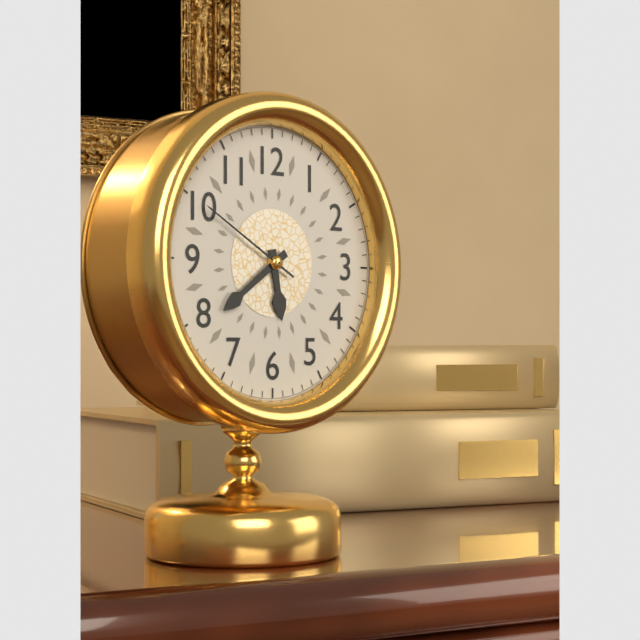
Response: 5:39:50
